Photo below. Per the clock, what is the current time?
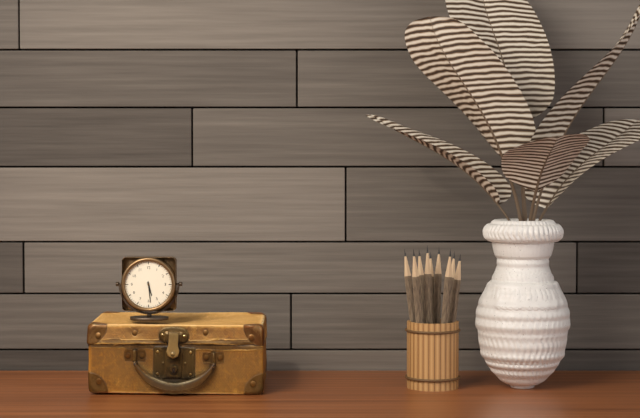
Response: 5:29
